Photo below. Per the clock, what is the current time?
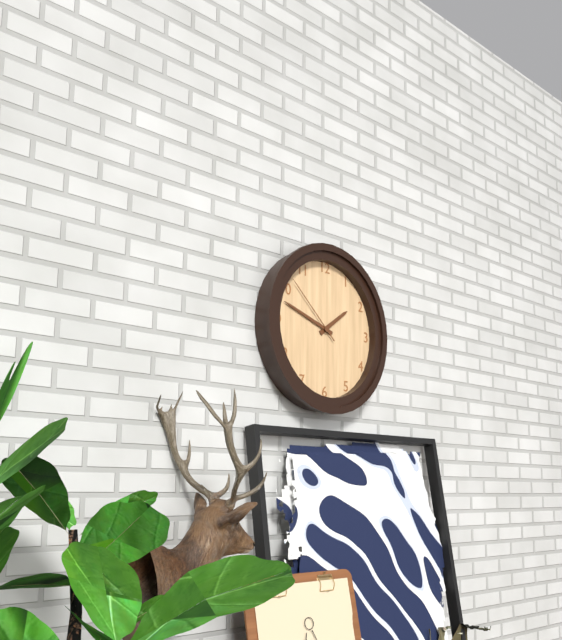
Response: 1:48:52
